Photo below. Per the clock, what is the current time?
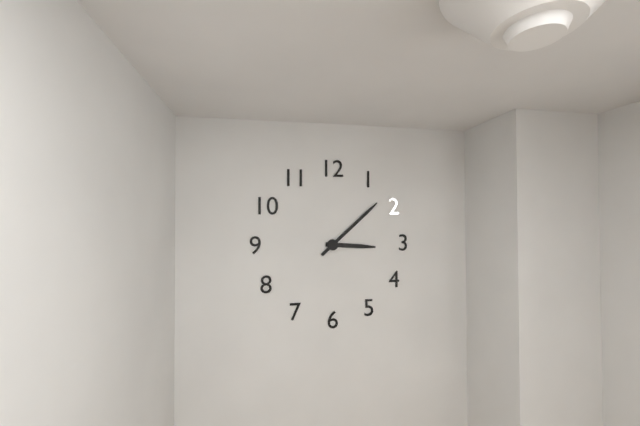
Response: 3:08
